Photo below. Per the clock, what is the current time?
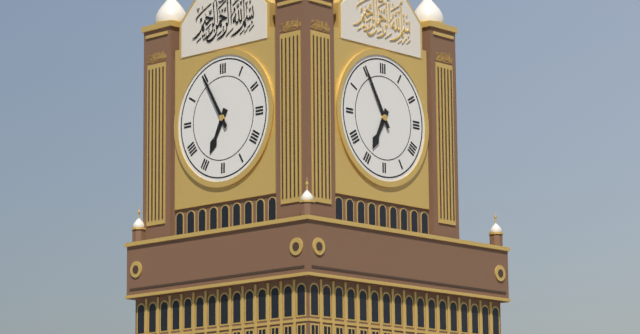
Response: 6:55
